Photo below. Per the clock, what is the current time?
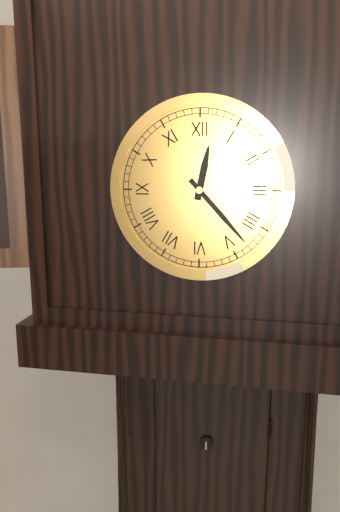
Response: 12:23
